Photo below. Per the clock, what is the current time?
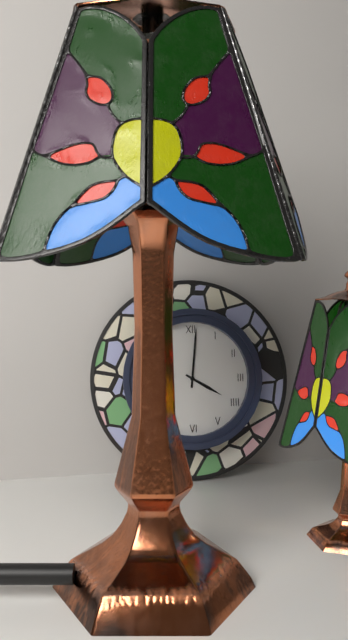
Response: 4:01
